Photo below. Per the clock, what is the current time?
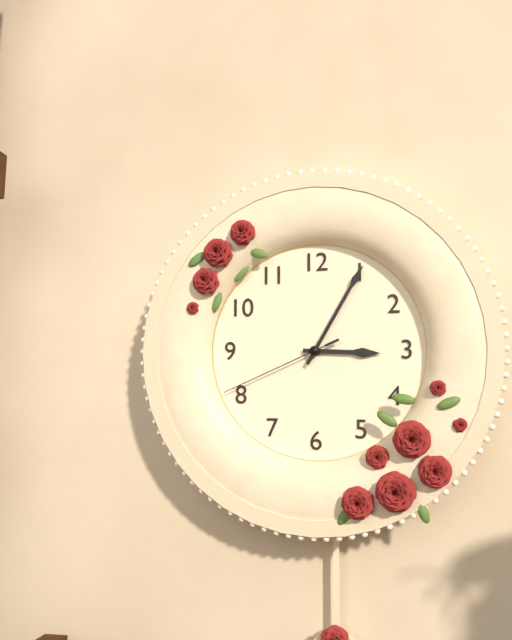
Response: 3:05:41
